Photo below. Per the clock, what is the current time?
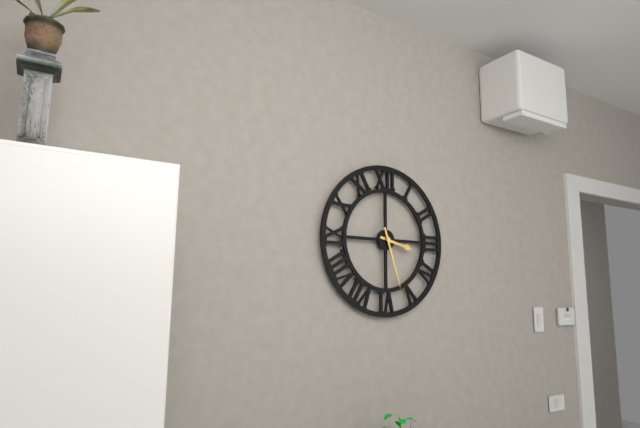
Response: 3:27
